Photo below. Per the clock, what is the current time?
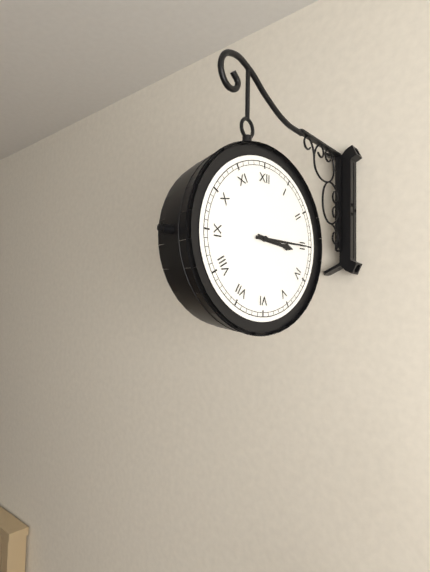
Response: 3:15
